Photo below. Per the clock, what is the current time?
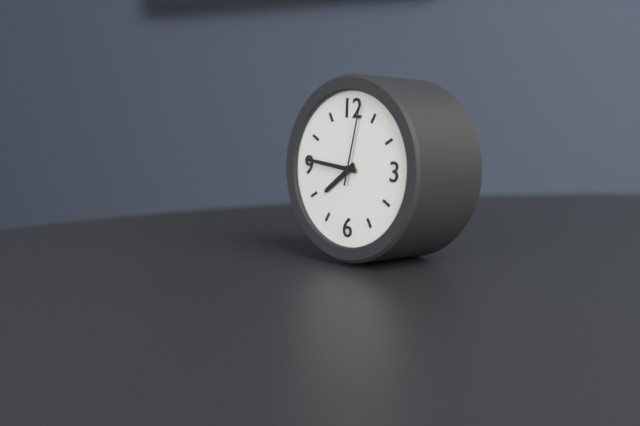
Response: 7:46:02
